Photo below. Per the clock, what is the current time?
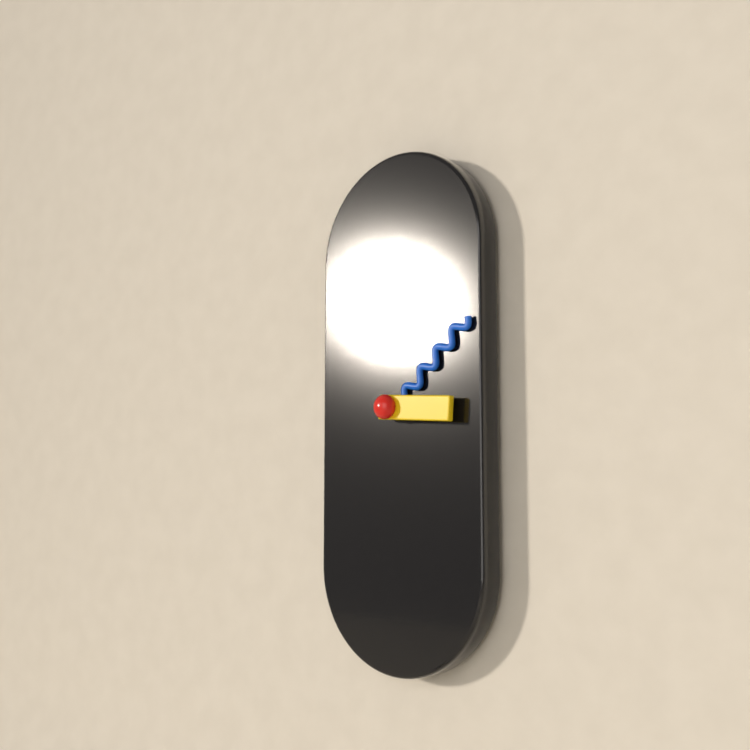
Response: 3:08
